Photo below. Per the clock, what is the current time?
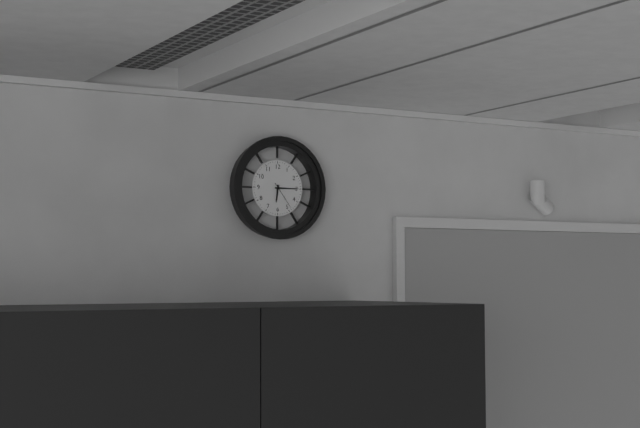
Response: 6:15
